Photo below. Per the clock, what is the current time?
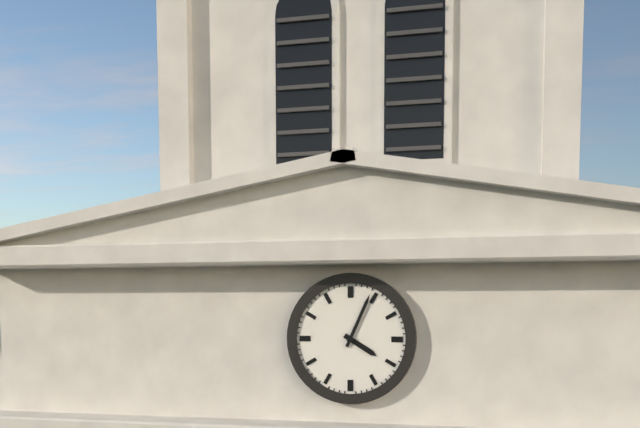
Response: 4:04
